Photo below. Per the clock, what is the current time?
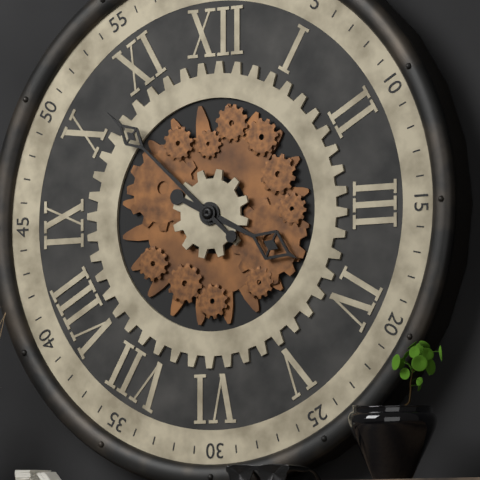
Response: 3:52
